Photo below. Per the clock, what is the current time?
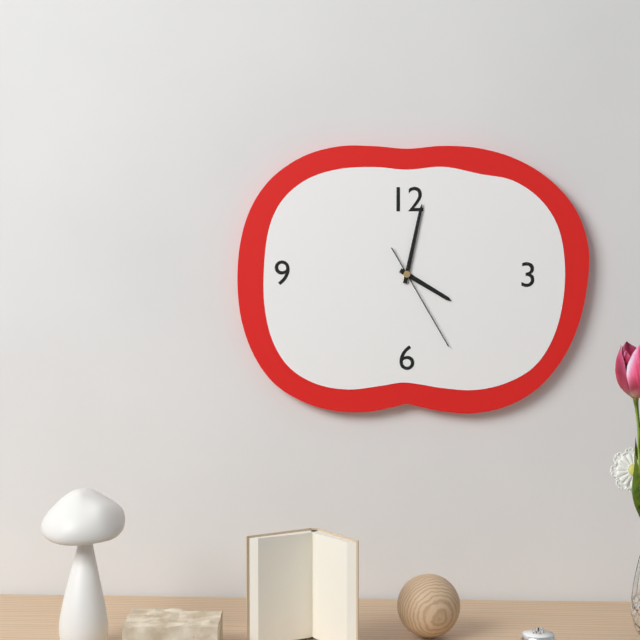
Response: 4:02:25
